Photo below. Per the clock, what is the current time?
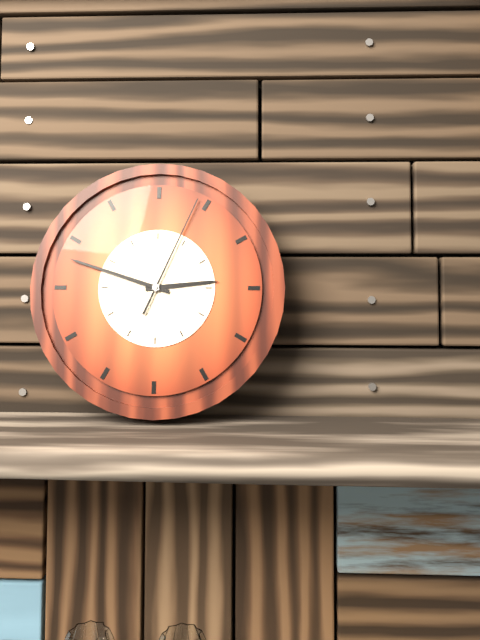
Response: 2:48:04
